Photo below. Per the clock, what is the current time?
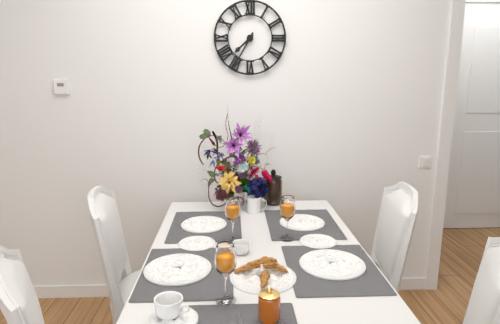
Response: 7:35
